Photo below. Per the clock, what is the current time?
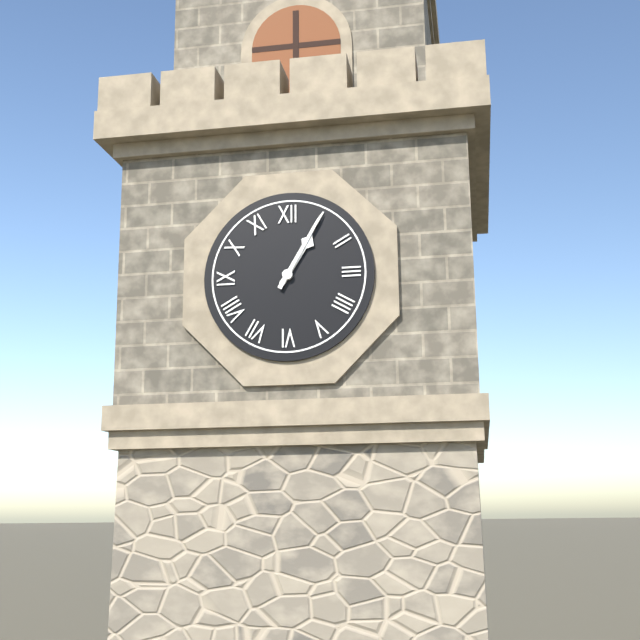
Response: 1:05
